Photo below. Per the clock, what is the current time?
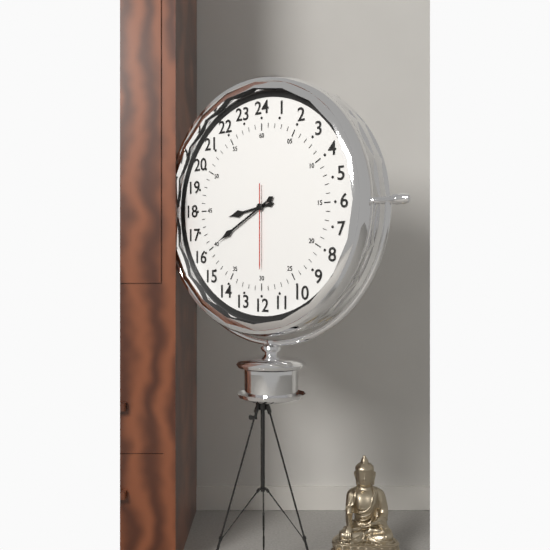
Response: 8:40:30
